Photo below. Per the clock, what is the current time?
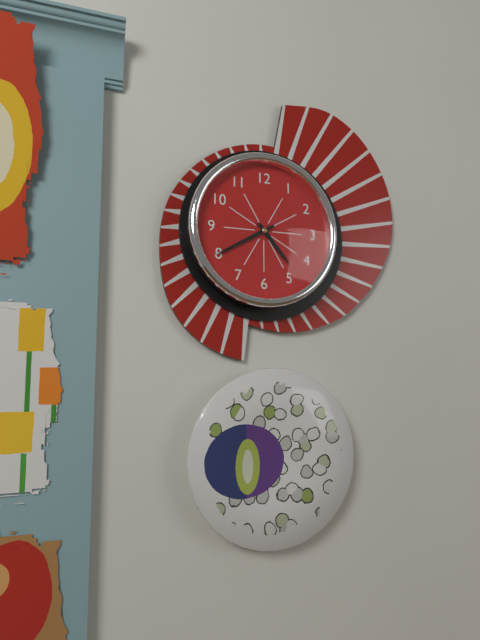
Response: 4:40
